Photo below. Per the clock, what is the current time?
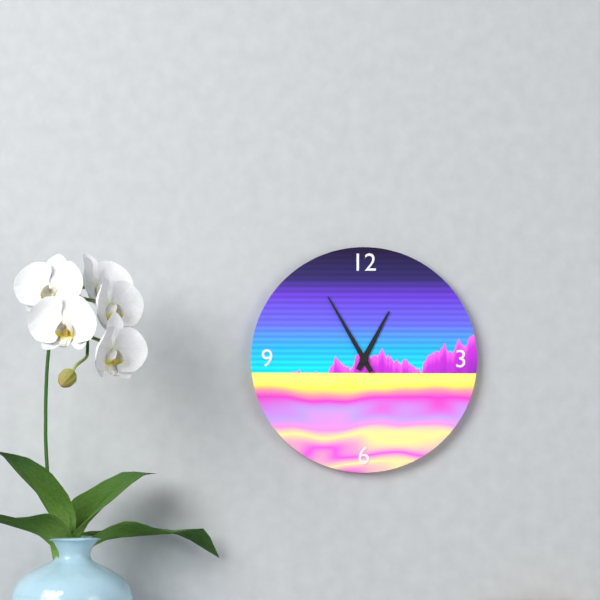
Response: 12:55
